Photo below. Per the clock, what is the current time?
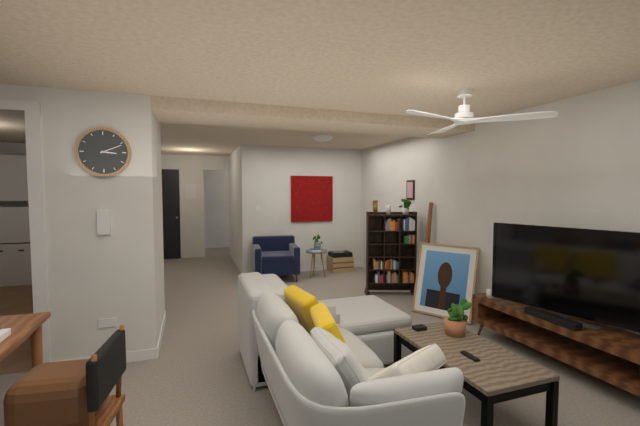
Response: 3:11
